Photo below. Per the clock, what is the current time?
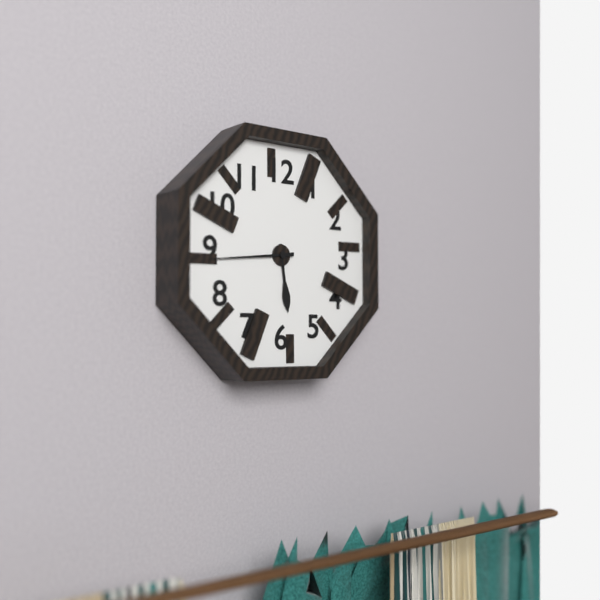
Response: 5:44
